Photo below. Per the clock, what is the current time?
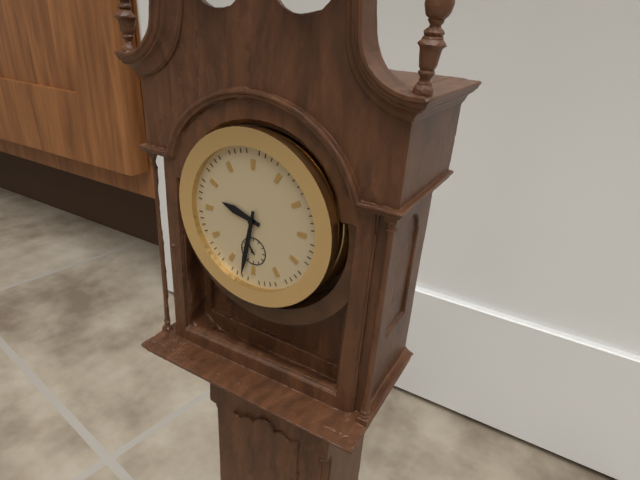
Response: 9:32
